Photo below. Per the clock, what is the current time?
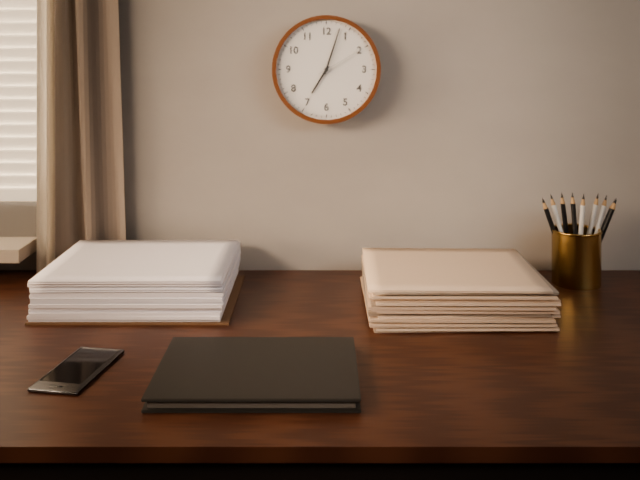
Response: 7:03:10
